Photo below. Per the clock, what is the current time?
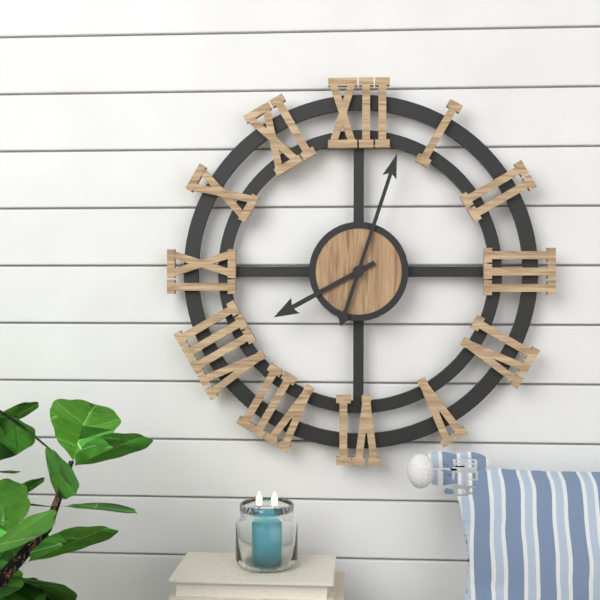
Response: 8:03
